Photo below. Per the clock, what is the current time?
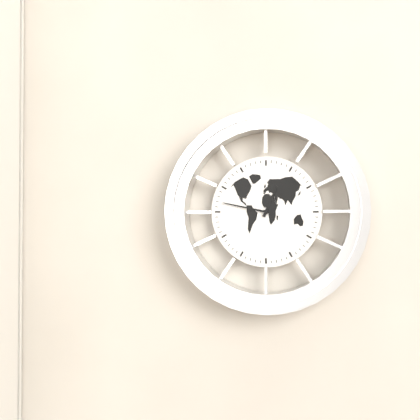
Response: 12:47
